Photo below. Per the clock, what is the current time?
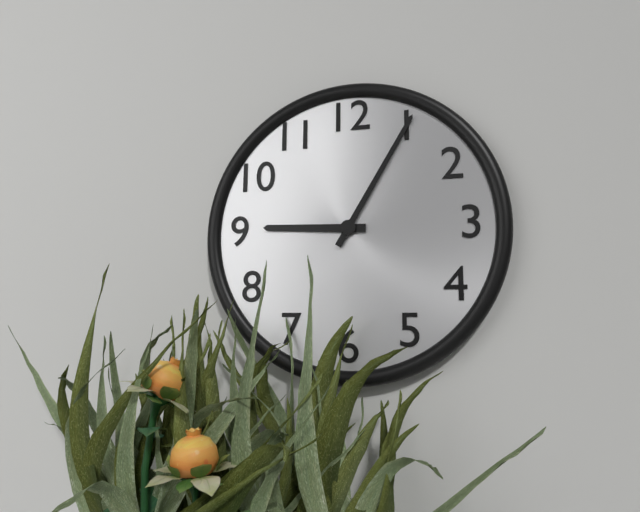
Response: 9:05
